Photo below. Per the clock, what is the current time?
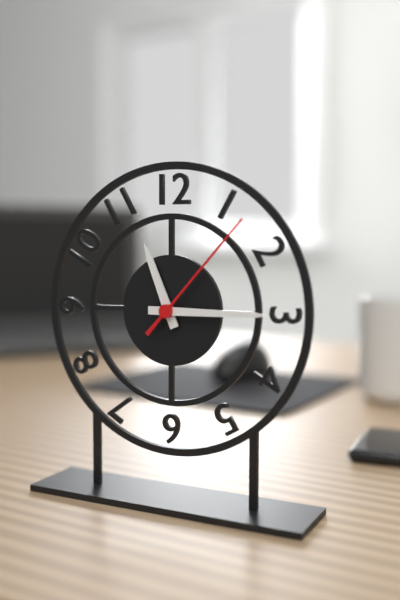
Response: 11:15:07
